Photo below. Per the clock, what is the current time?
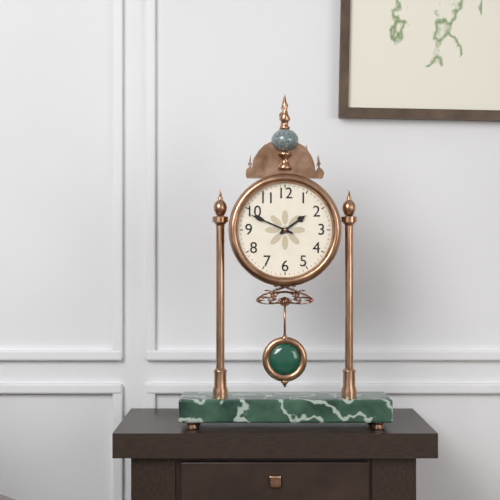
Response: 1:49
